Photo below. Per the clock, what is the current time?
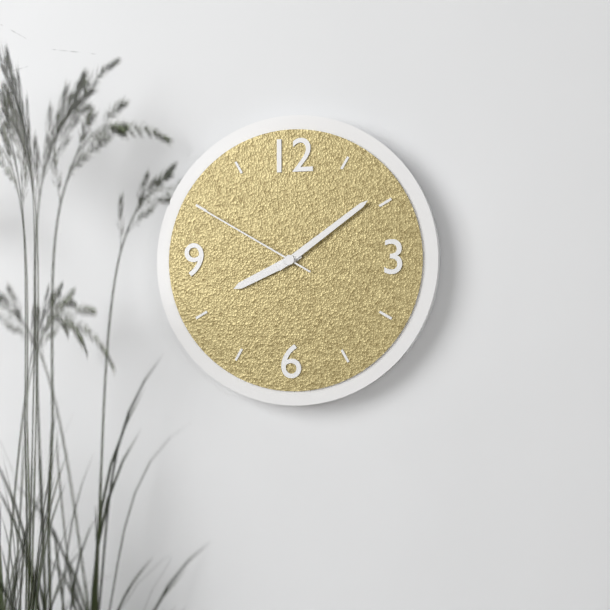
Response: 8:09:50
